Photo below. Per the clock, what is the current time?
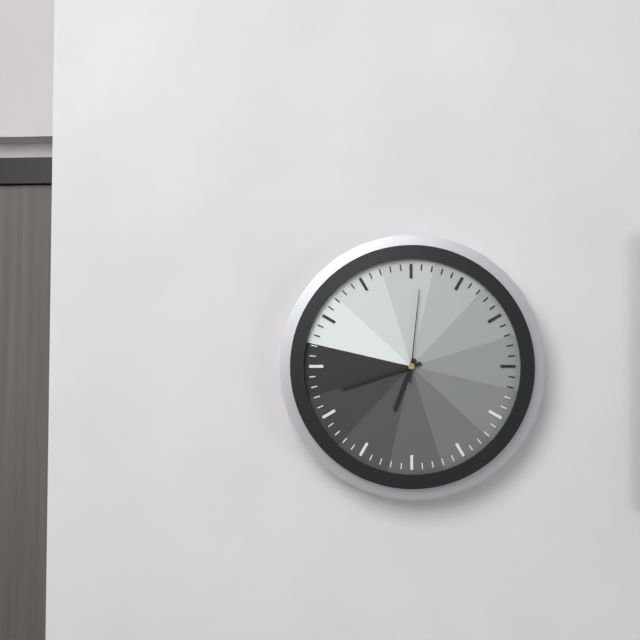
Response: 6:42:01
